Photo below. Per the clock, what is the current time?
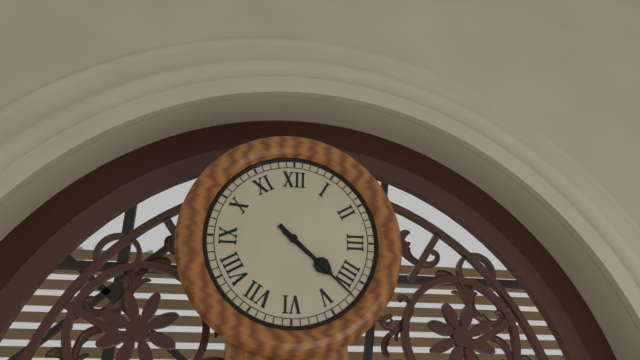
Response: 4:22
